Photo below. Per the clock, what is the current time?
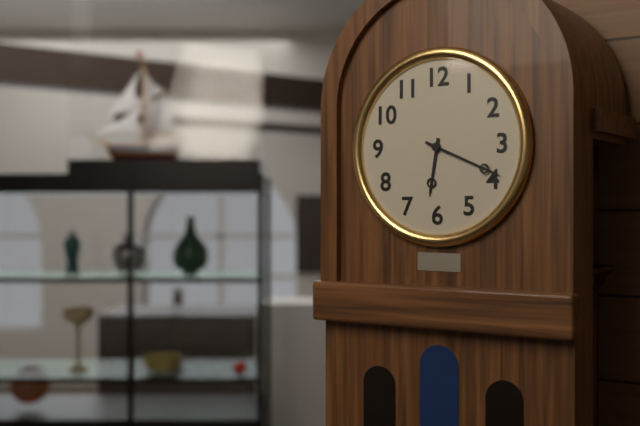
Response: 6:19
